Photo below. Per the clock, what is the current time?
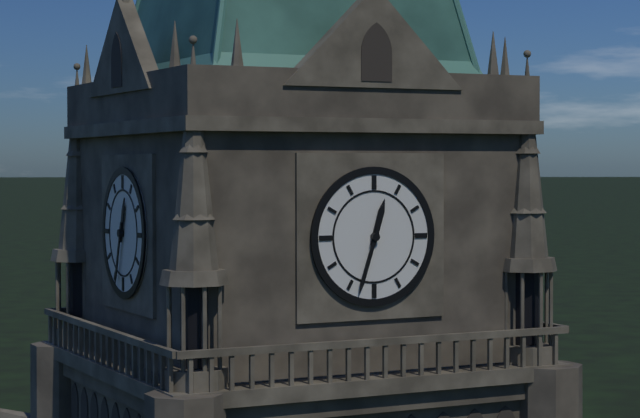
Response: 12:33
